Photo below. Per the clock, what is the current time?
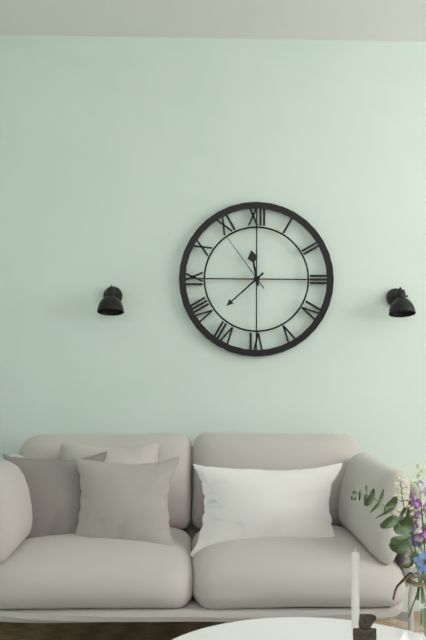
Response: 11:38:54
